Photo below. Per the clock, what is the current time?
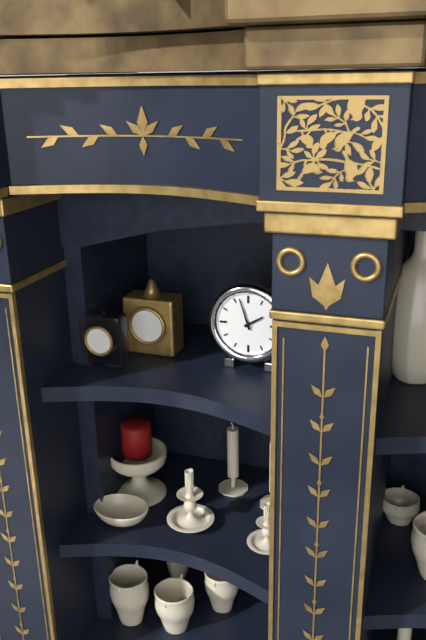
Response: 1:57
